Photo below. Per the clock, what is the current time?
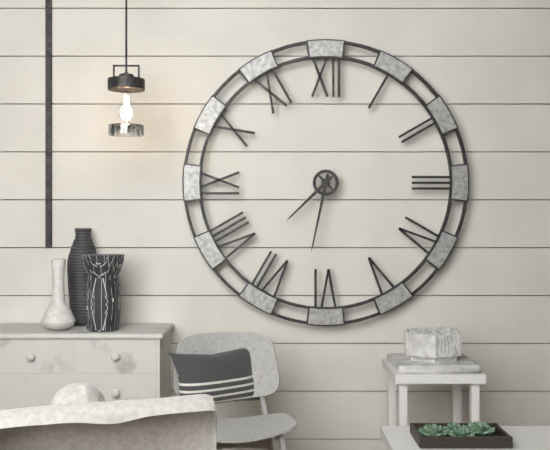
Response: 7:32
